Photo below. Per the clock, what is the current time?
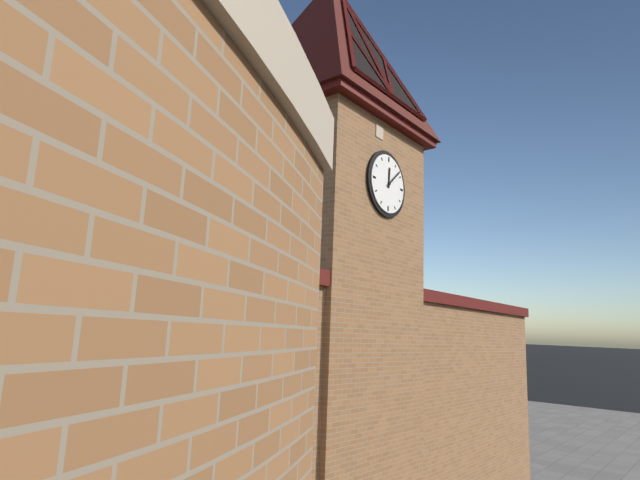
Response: 12:08
